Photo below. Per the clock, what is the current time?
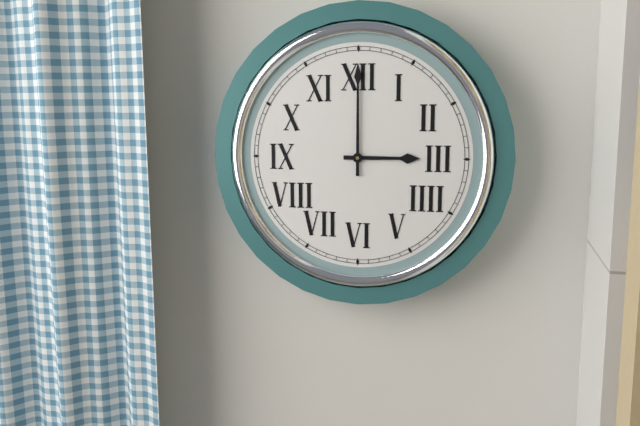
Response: 3:00
